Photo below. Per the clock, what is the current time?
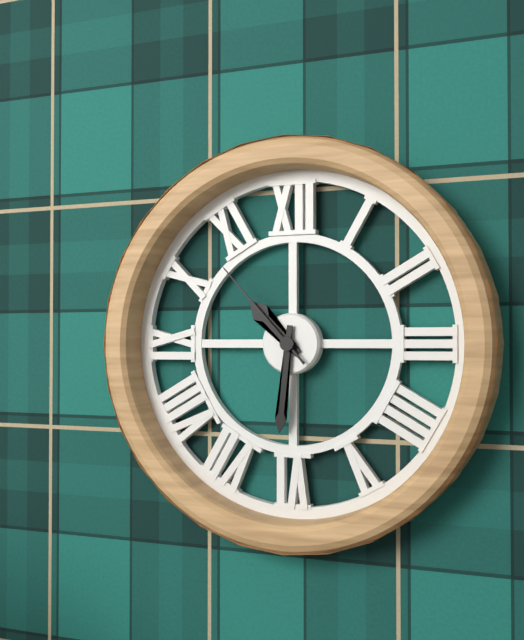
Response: 10:31:53
